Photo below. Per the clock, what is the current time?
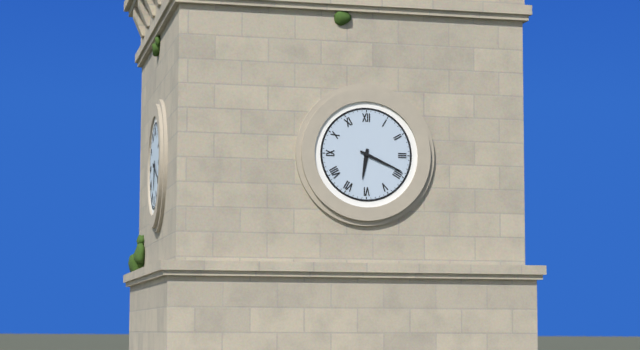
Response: 6:19
